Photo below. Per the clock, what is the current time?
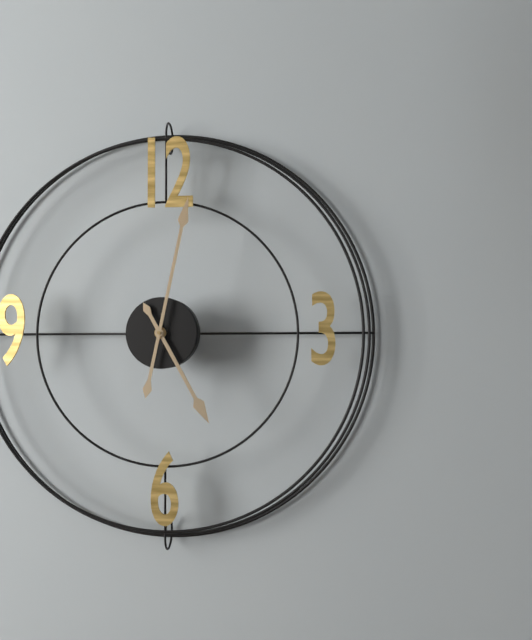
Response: 5:02
